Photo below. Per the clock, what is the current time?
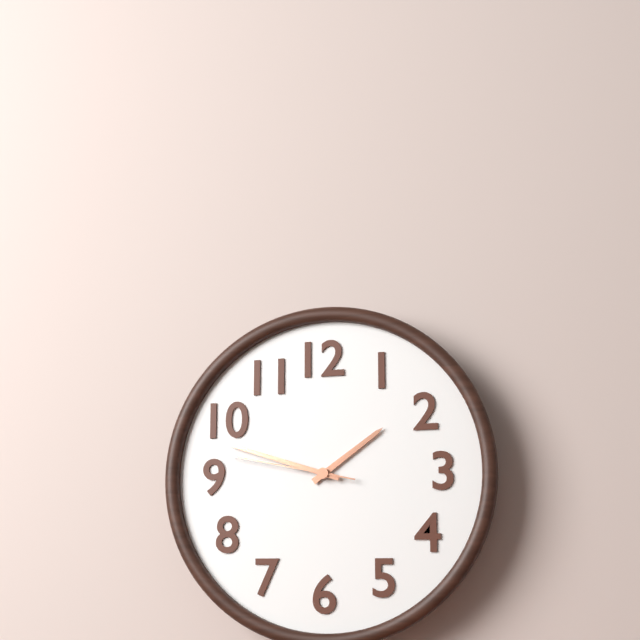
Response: 1:48:47
